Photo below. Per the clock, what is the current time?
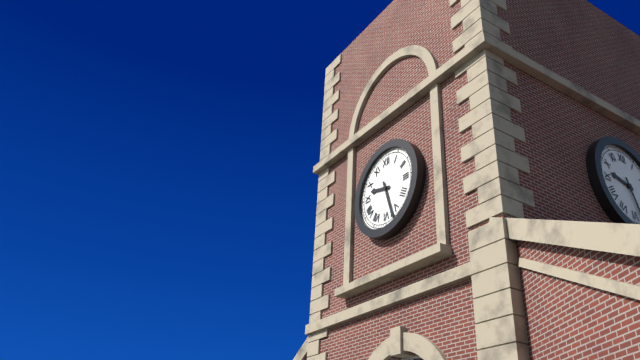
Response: 9:27
